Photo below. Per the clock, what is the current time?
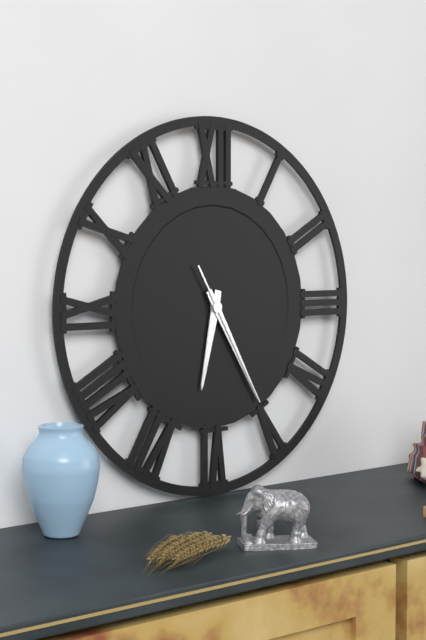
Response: 6:25:25
